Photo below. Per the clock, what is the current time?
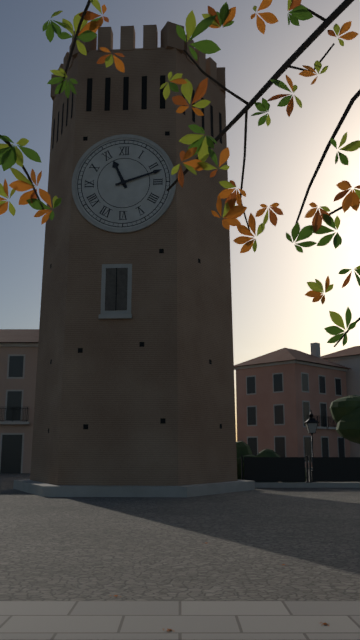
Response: 11:12
